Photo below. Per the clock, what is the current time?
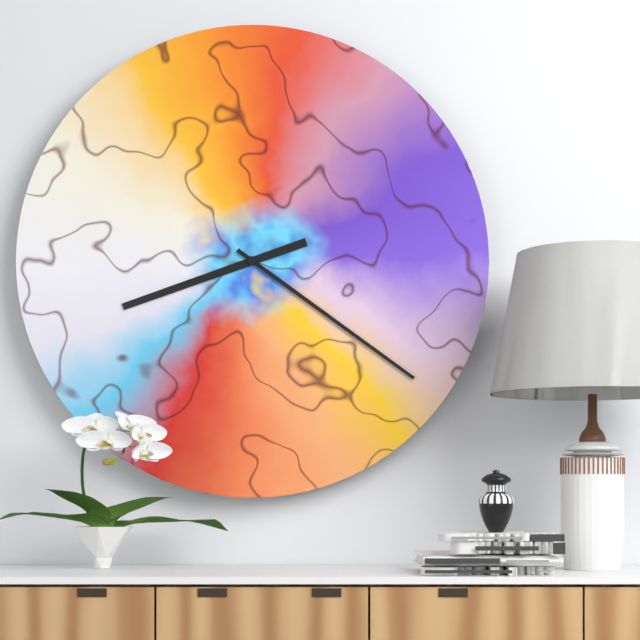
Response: 8:21
